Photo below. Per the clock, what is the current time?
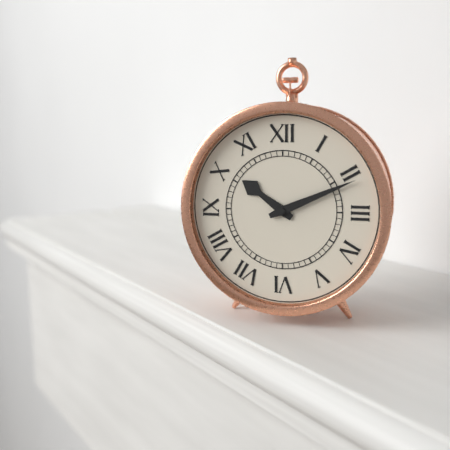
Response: 10:11
